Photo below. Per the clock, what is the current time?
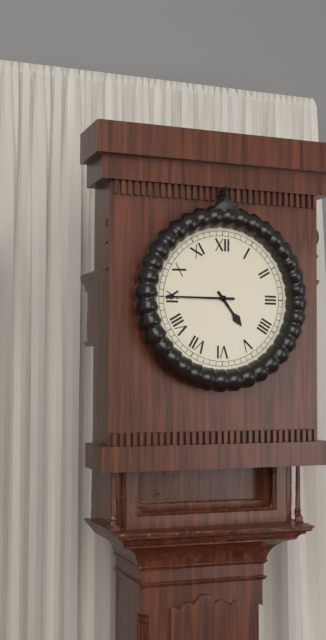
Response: 4:45
